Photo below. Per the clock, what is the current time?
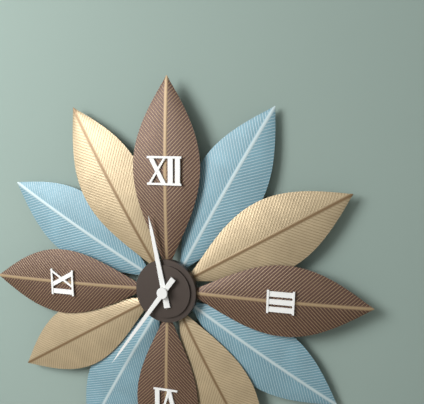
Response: 11:36
